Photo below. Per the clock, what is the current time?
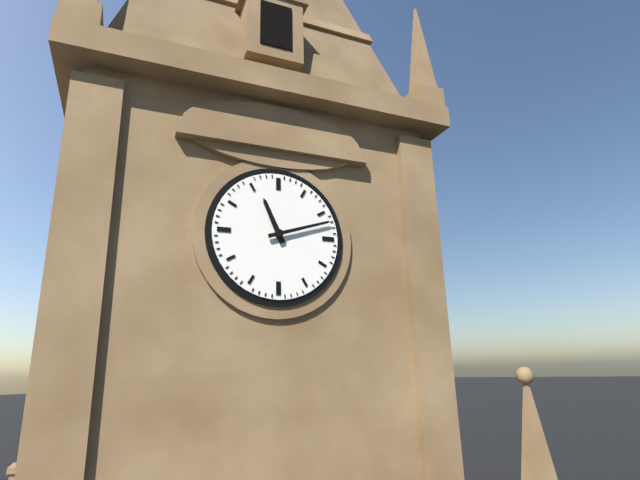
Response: 11:12
